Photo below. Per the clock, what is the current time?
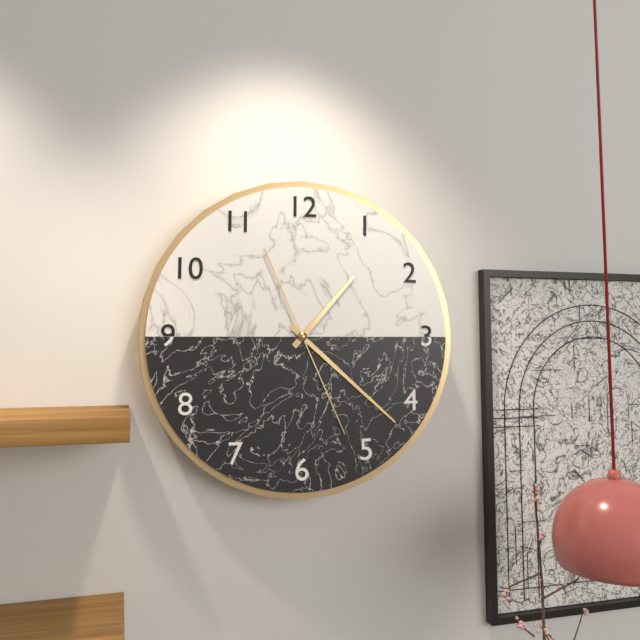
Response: 1:22:26
